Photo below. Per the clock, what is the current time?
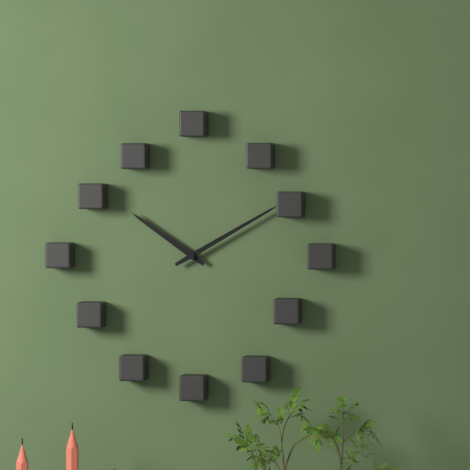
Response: 10:10
